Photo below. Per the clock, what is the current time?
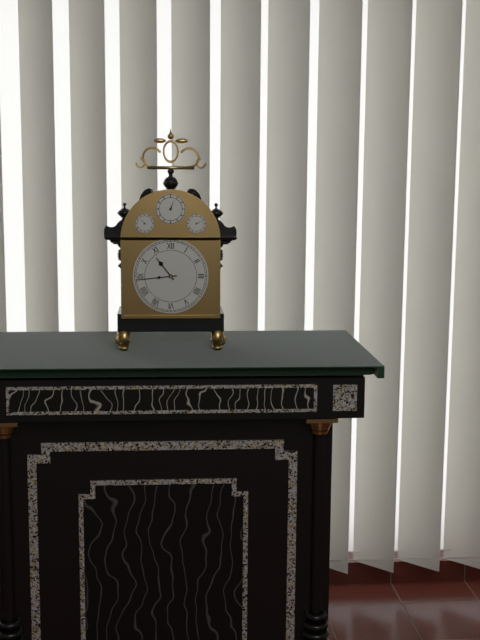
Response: 10:44
